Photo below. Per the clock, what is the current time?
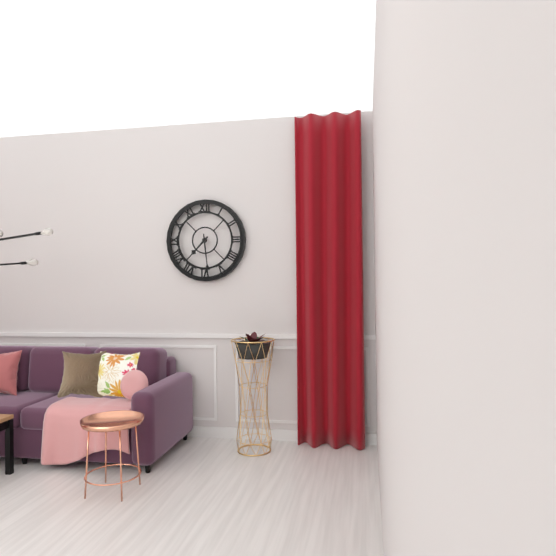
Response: 7:29
